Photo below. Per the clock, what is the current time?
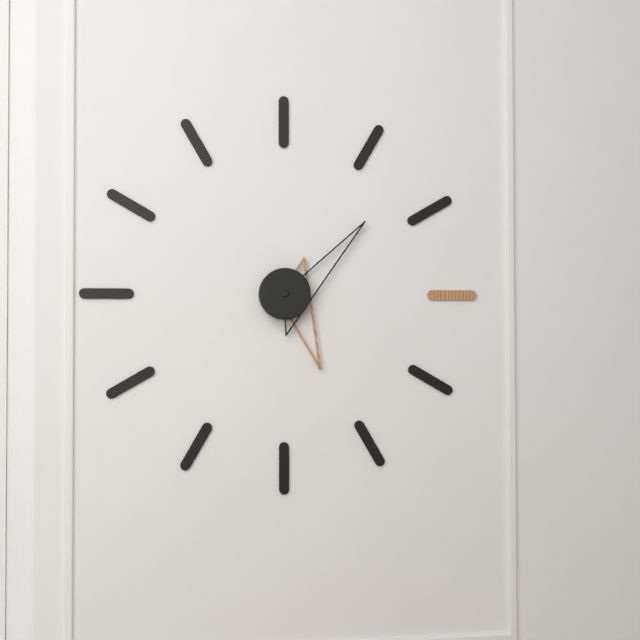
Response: 5:08
